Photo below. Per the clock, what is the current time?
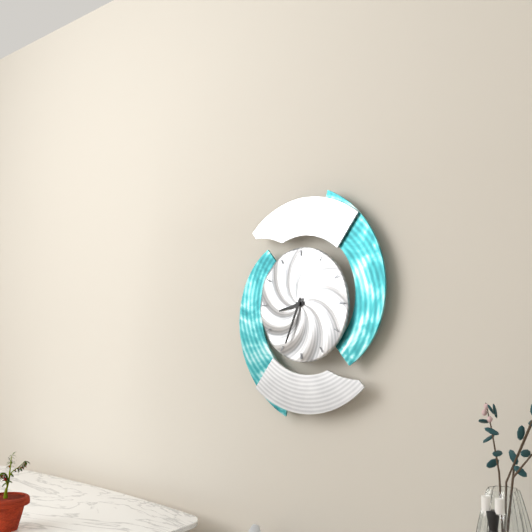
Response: 8:34
